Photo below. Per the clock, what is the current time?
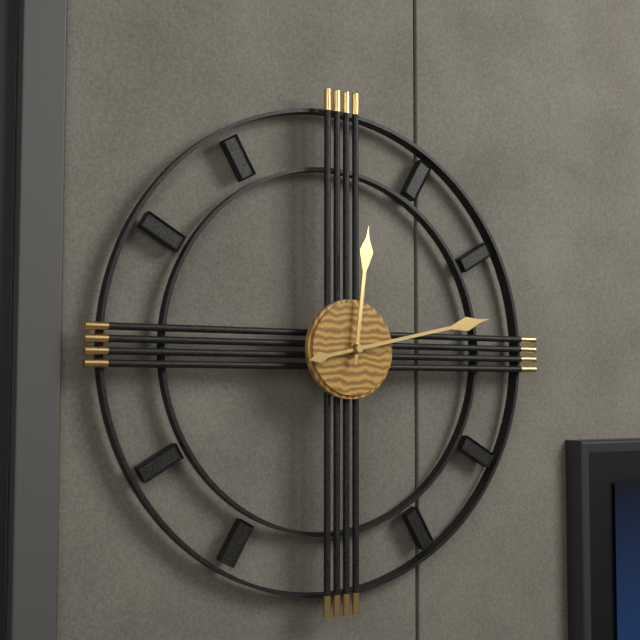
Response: 12:13
